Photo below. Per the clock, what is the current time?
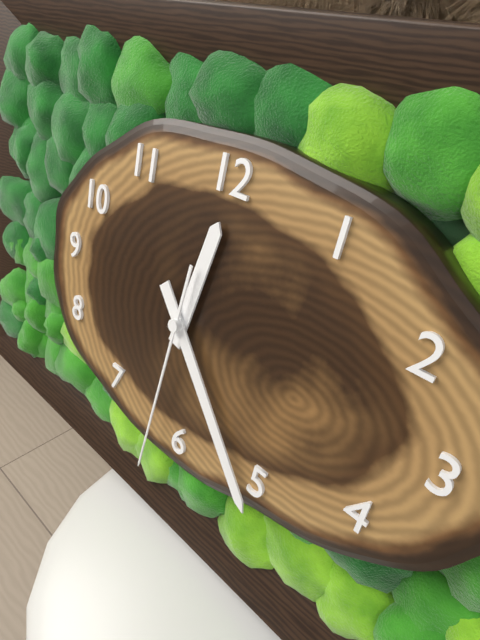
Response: 12:23:31
